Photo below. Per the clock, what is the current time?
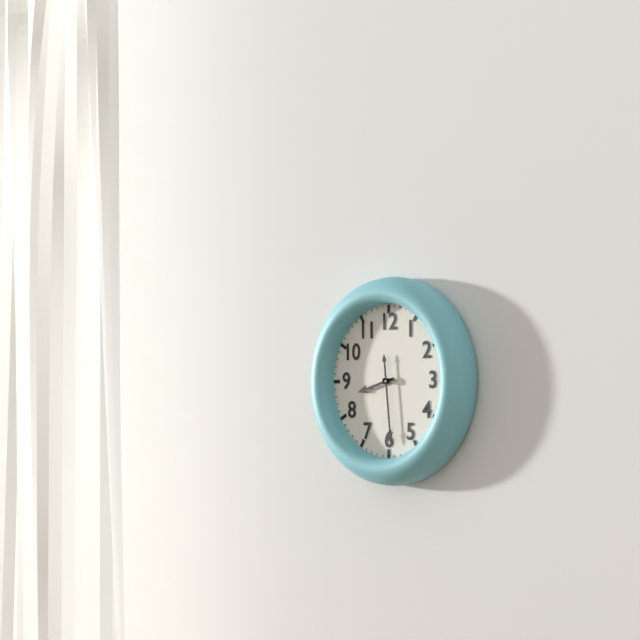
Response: 8:29
